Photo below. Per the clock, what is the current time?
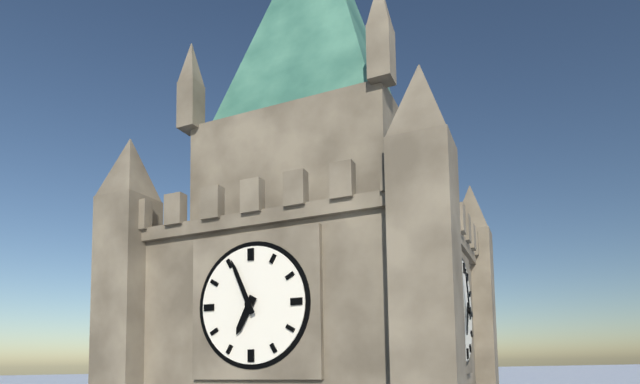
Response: 6:56
